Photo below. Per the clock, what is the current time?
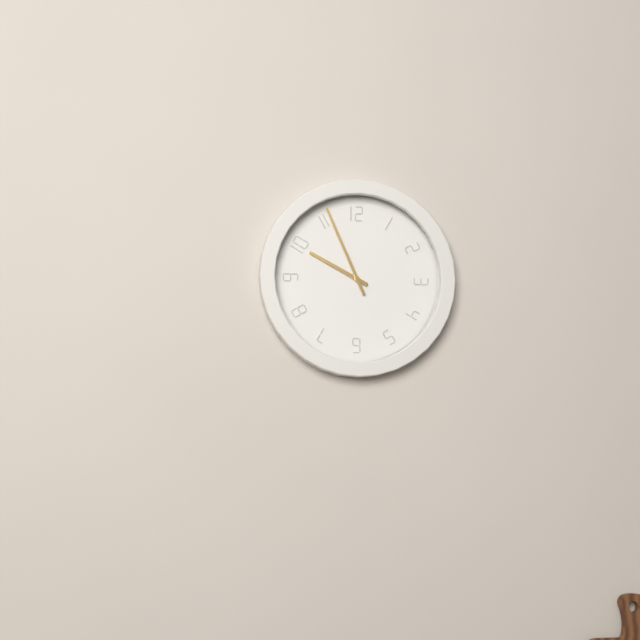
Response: 9:56
